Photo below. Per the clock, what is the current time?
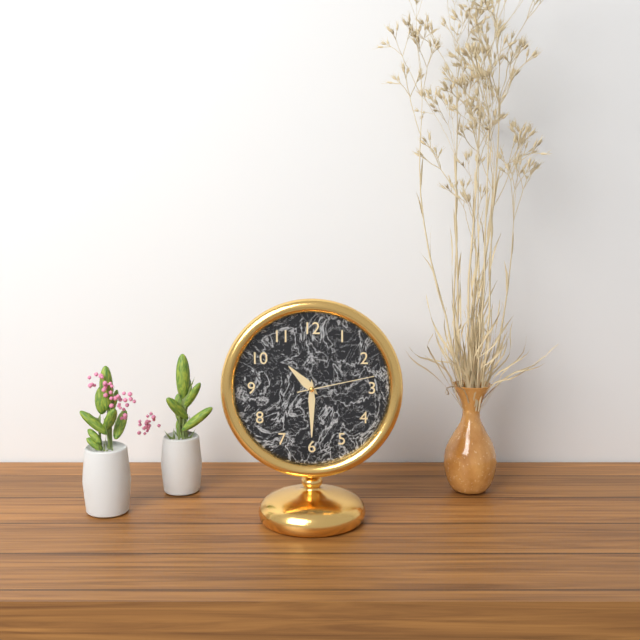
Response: 10:30:13
